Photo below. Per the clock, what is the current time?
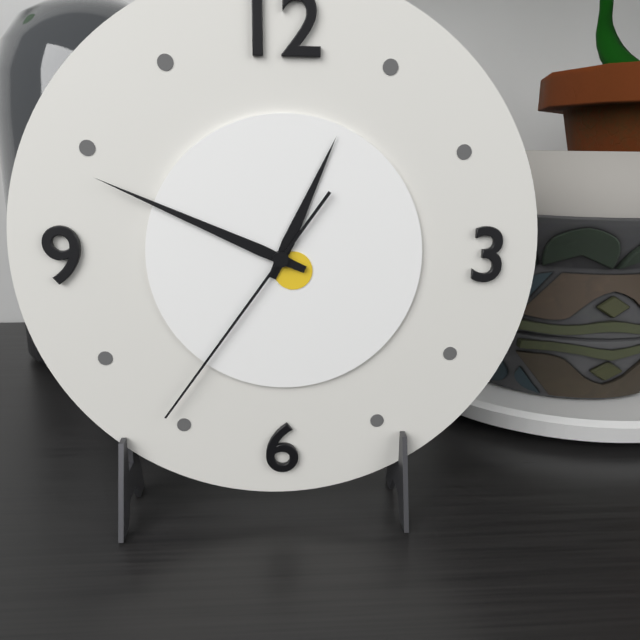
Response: 12:49:36
